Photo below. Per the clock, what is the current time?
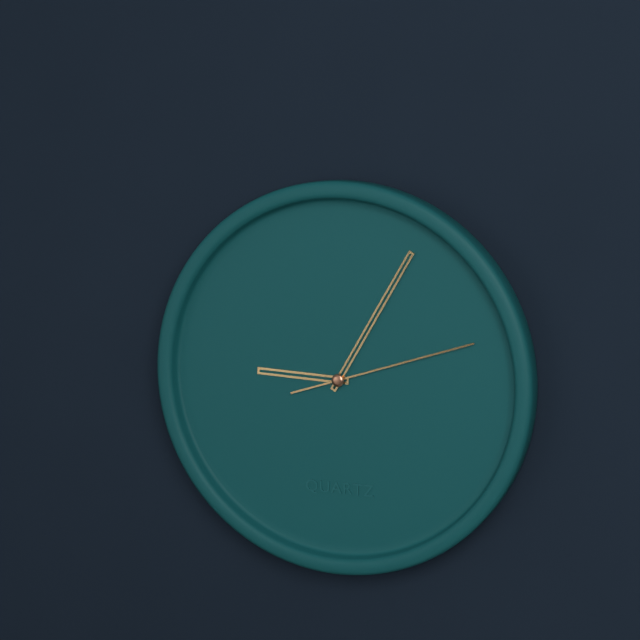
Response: 9:05:12
